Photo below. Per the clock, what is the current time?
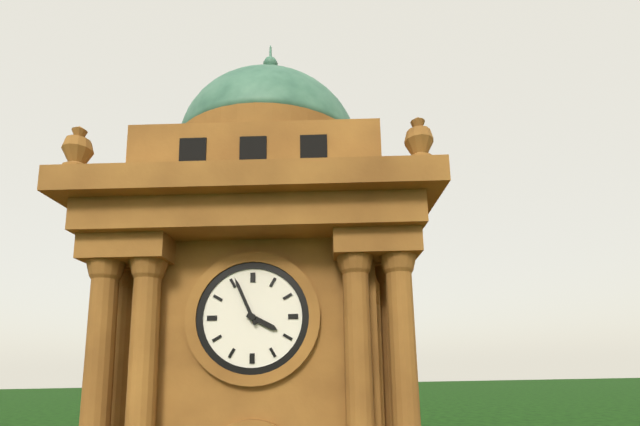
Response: 3:56
